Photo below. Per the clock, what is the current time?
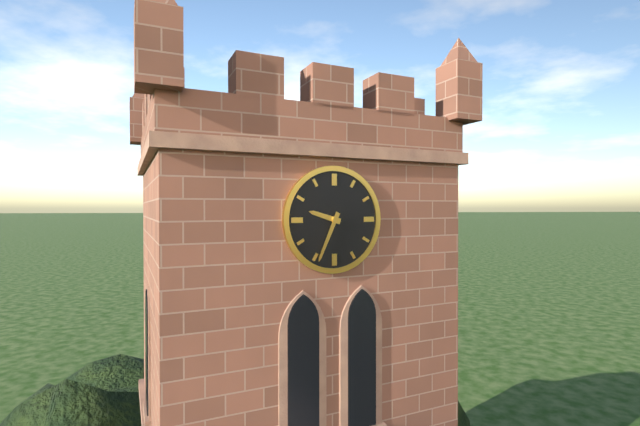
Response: 9:34
